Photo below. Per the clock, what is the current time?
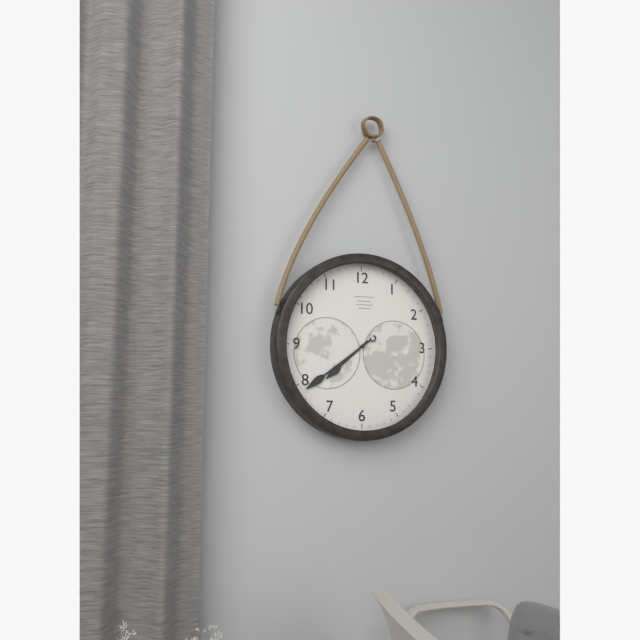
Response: 7:39
